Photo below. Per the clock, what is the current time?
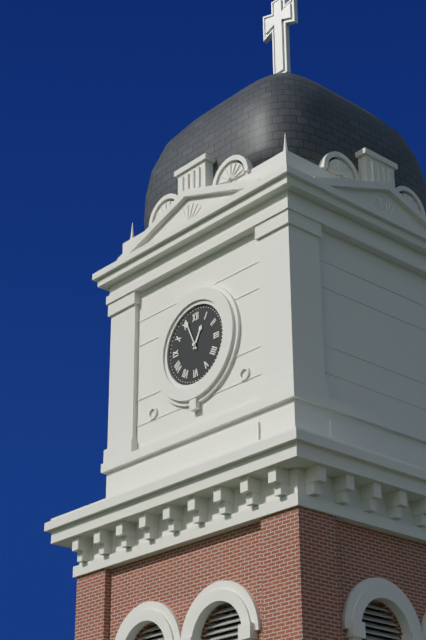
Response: 12:56
